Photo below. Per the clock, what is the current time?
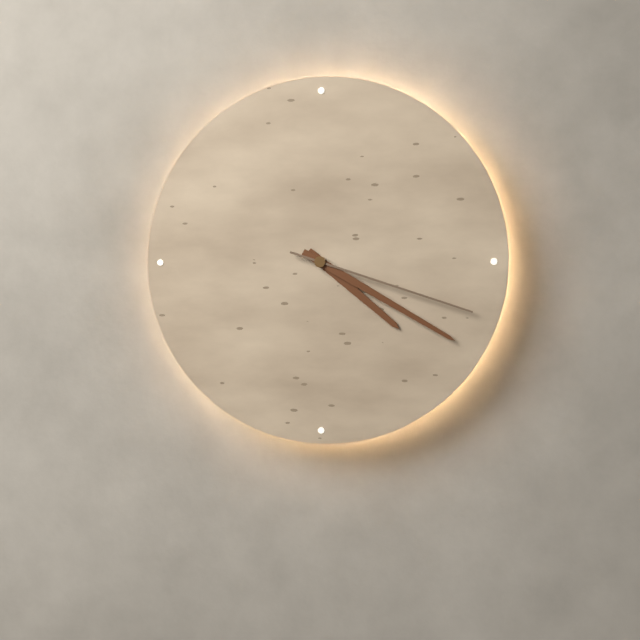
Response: 4:20:18
